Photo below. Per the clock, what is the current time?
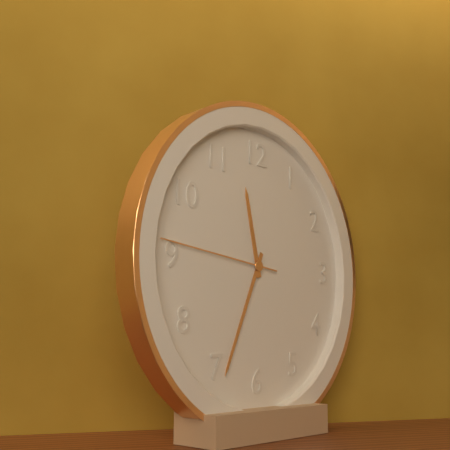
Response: 11:34:46
